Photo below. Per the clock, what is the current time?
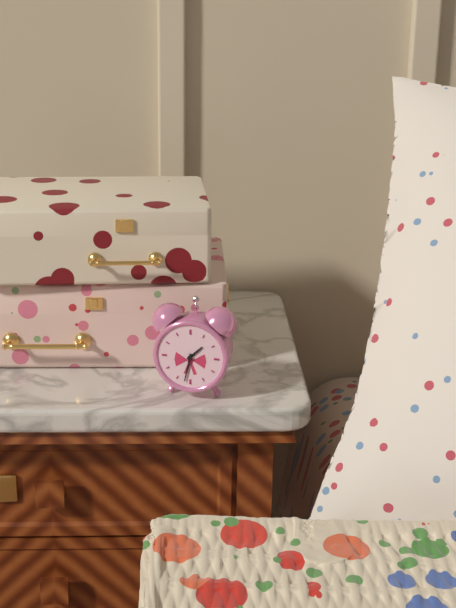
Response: 1:32
